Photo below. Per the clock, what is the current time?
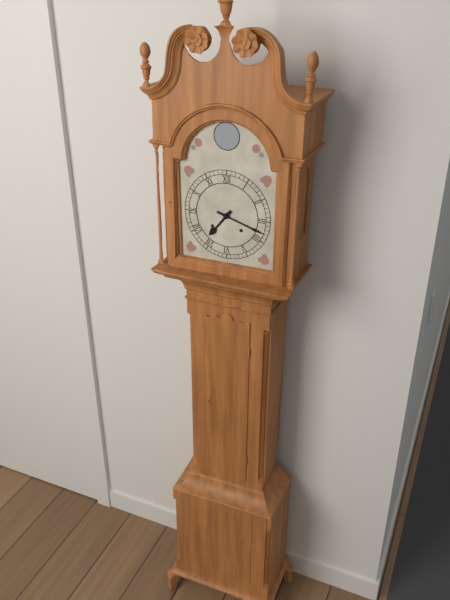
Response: 7:18
